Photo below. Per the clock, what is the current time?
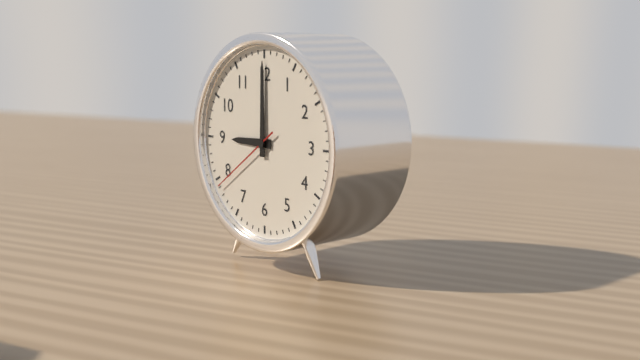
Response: 9:00:39
